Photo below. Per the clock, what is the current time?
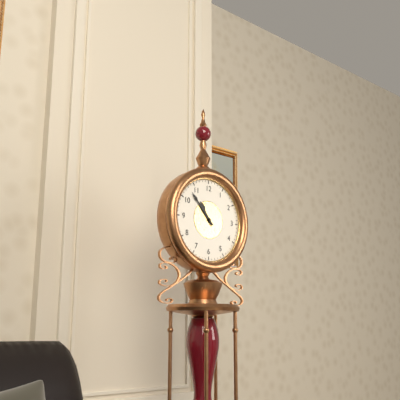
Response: 10:53
